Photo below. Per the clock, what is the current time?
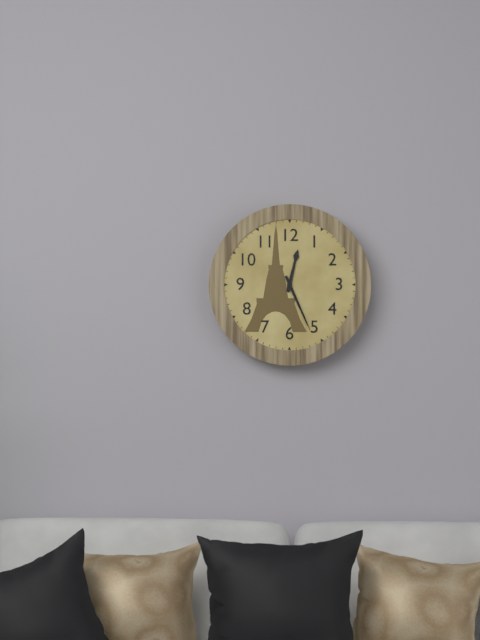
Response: 12:26
